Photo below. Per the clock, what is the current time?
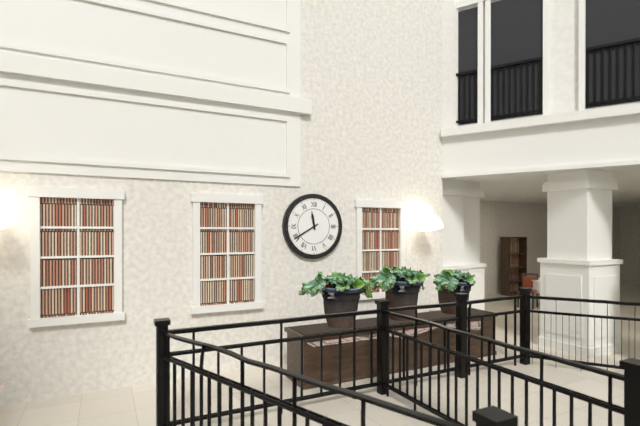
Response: 11:40
